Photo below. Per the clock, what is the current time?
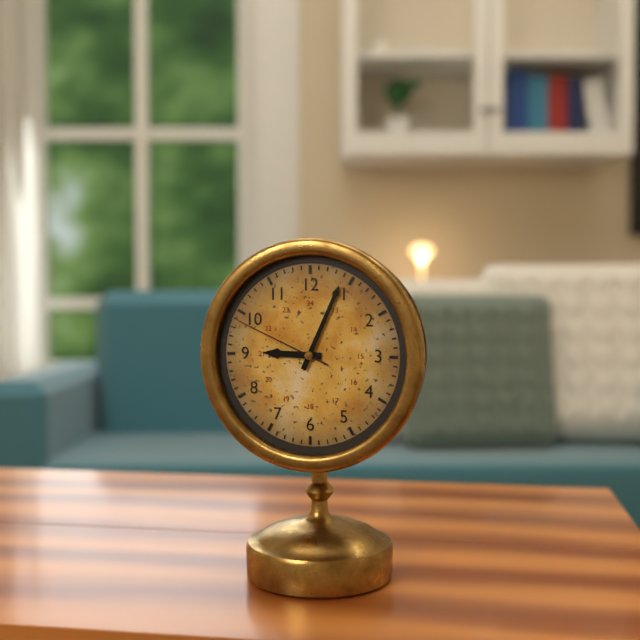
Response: 9:04:49
